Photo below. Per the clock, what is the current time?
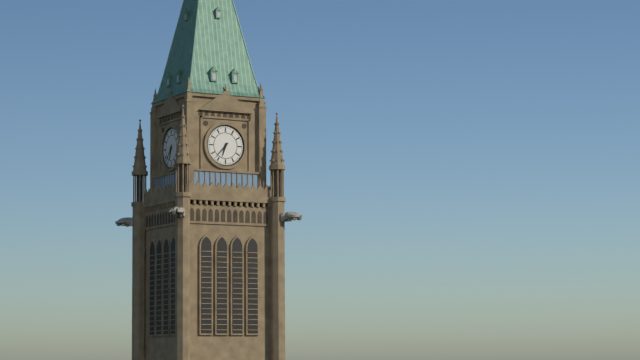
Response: 6:37
